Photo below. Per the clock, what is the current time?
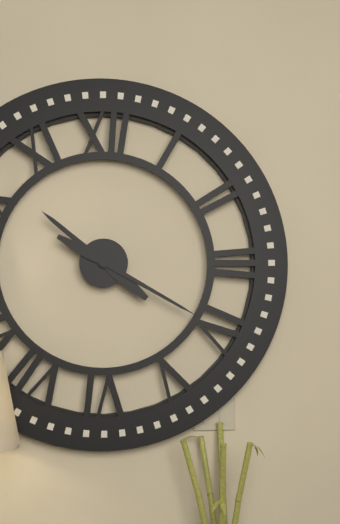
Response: 10:20
